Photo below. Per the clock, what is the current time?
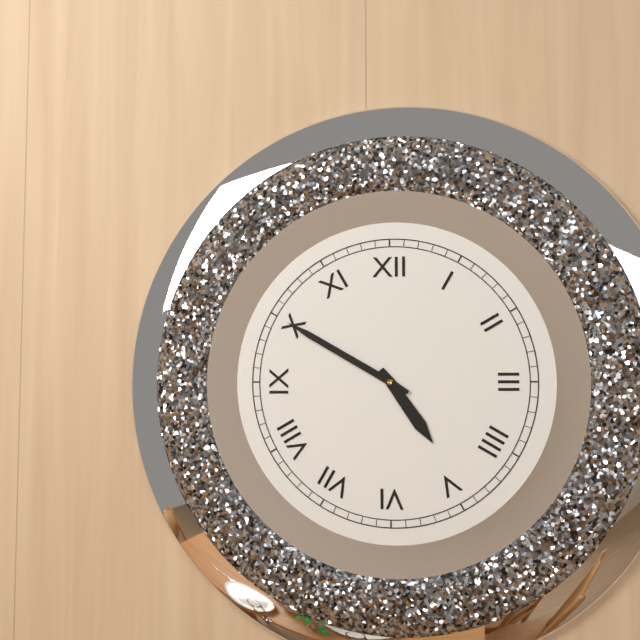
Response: 4:50
